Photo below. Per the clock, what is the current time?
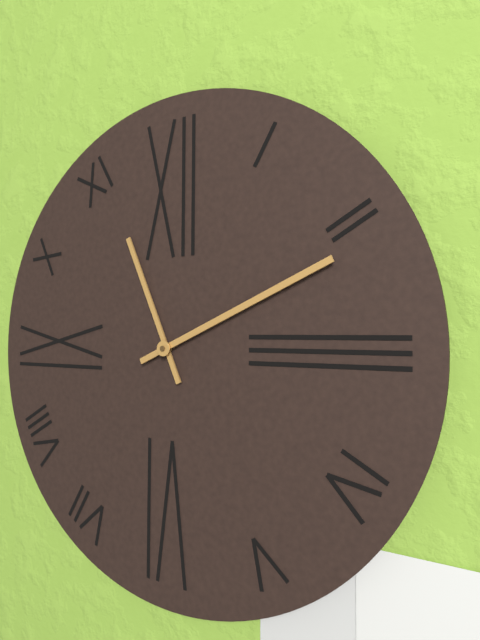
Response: 11:11
